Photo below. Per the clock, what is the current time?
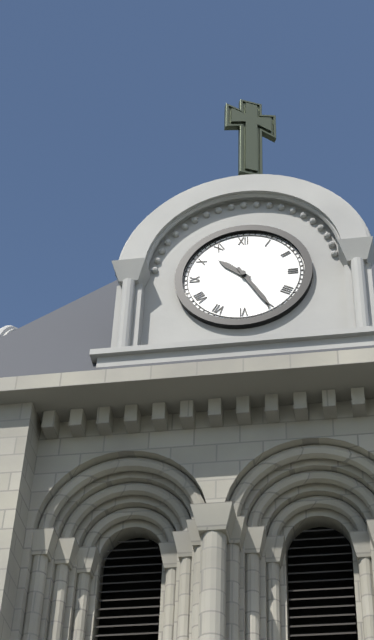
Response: 10:25
